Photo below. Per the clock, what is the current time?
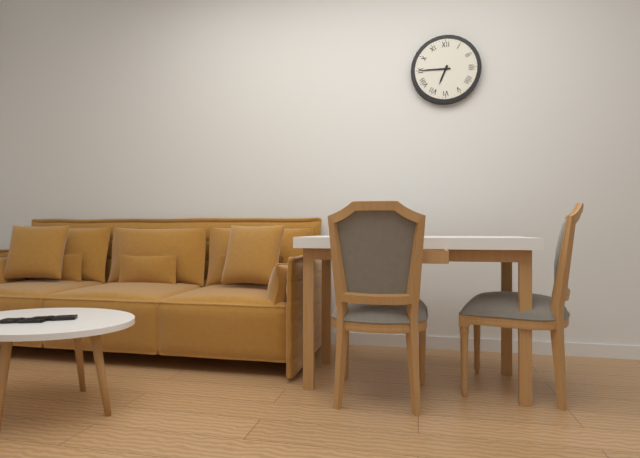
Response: 6:45
